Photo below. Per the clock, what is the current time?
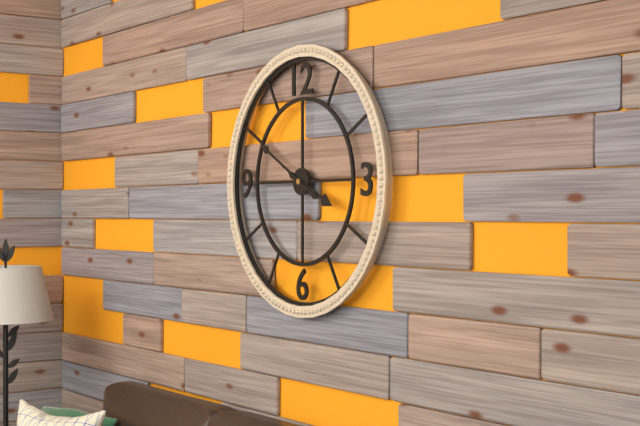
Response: 3:50
